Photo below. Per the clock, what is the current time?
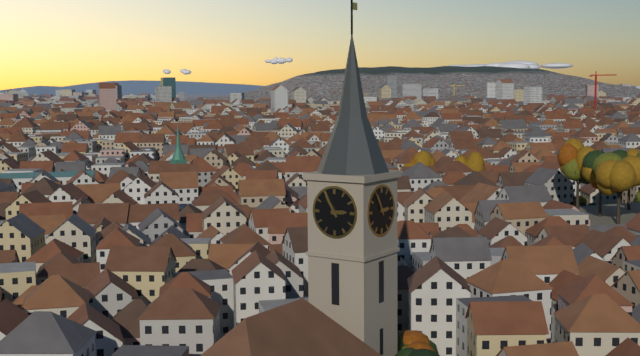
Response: 2:55
